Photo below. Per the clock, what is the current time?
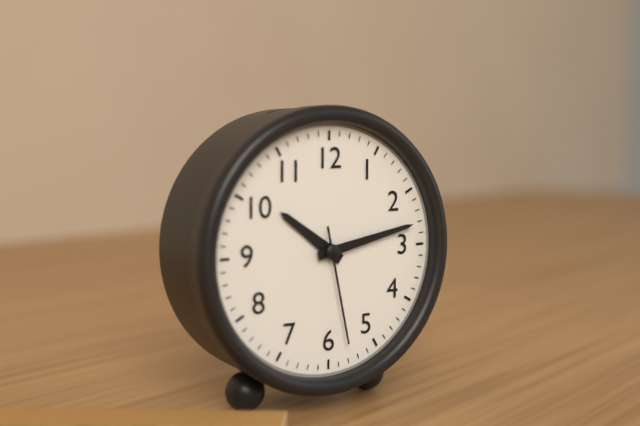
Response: 10:13:28
